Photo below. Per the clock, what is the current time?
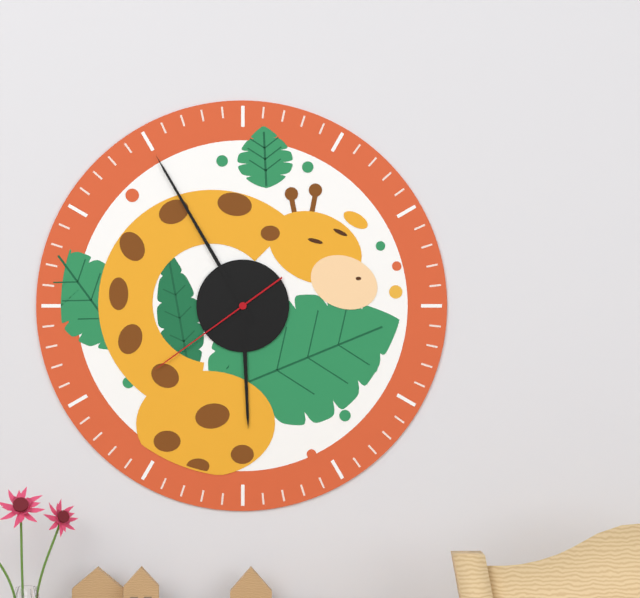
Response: 5:55:39
